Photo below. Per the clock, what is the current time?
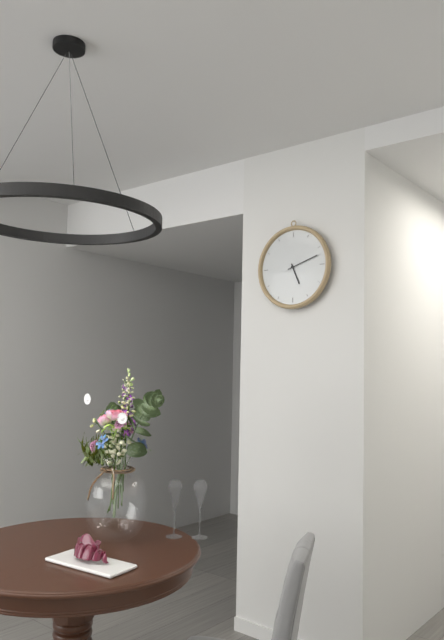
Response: 5:12
